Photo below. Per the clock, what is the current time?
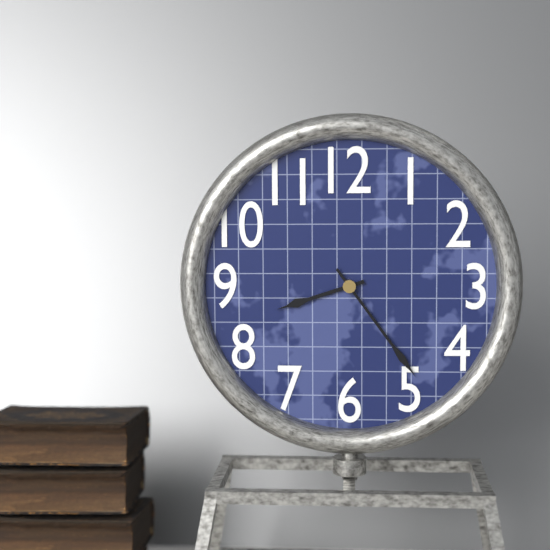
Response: 8:24
